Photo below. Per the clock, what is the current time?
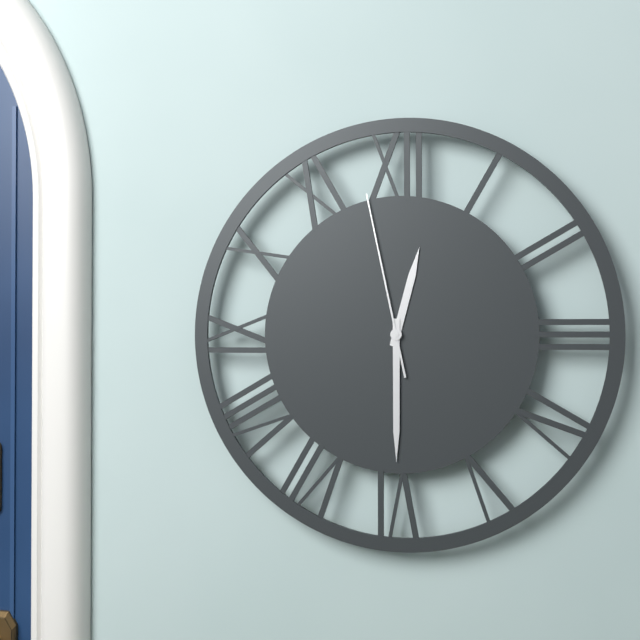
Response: 12:30:58
